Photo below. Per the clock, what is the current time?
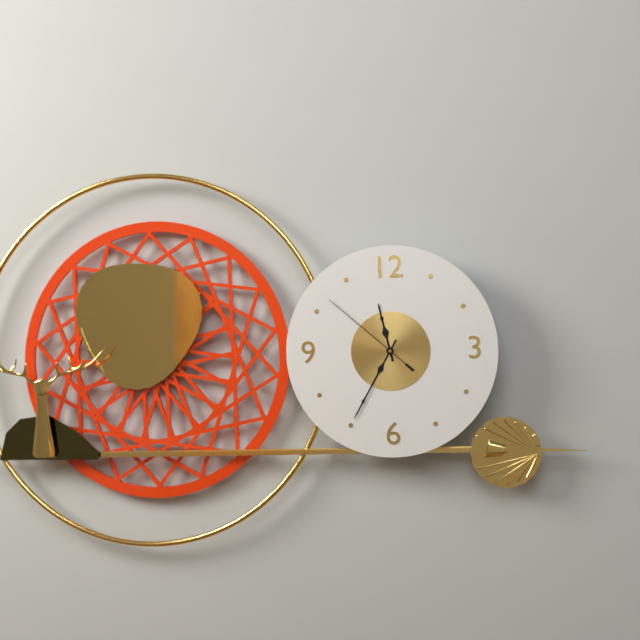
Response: 11:35:52
